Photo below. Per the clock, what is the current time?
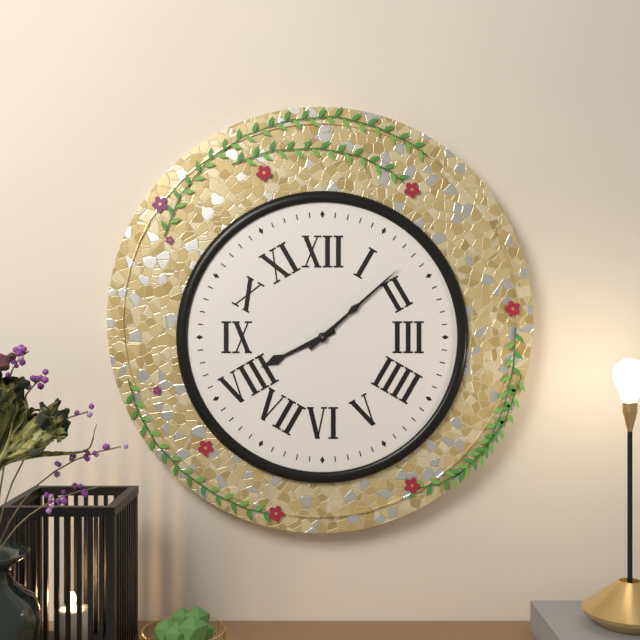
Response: 8:08
